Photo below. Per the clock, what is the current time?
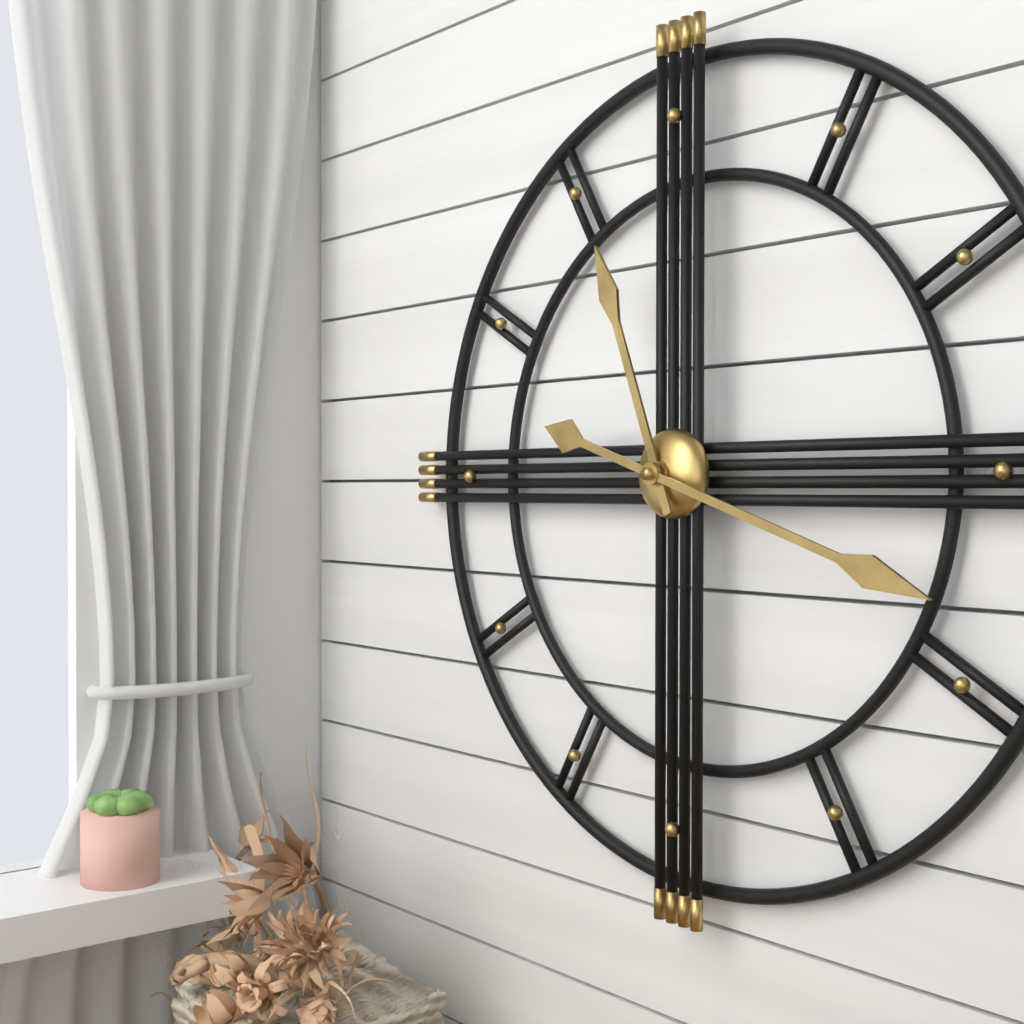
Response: 11:18
